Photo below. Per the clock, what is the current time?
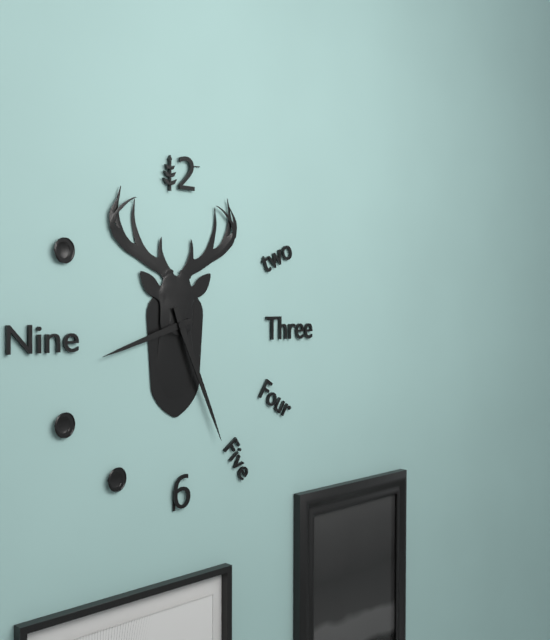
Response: 8:26
